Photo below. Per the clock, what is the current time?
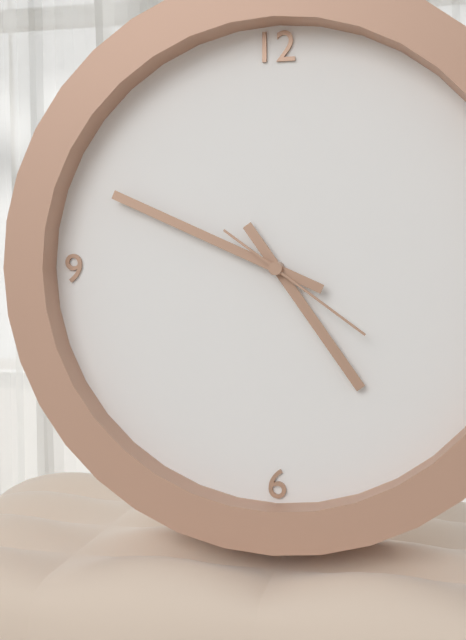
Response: 4:49:21
